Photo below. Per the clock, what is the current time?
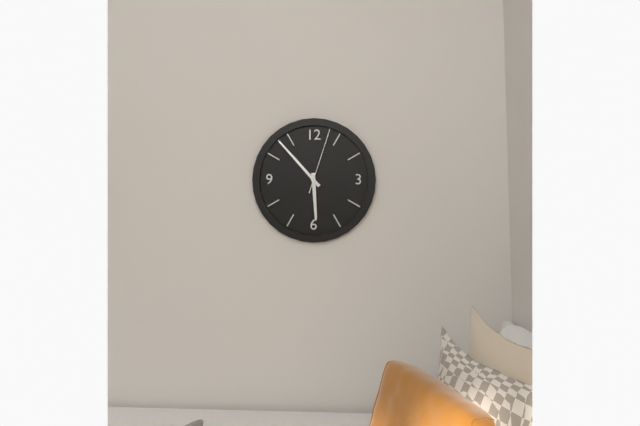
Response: 5:53:03
